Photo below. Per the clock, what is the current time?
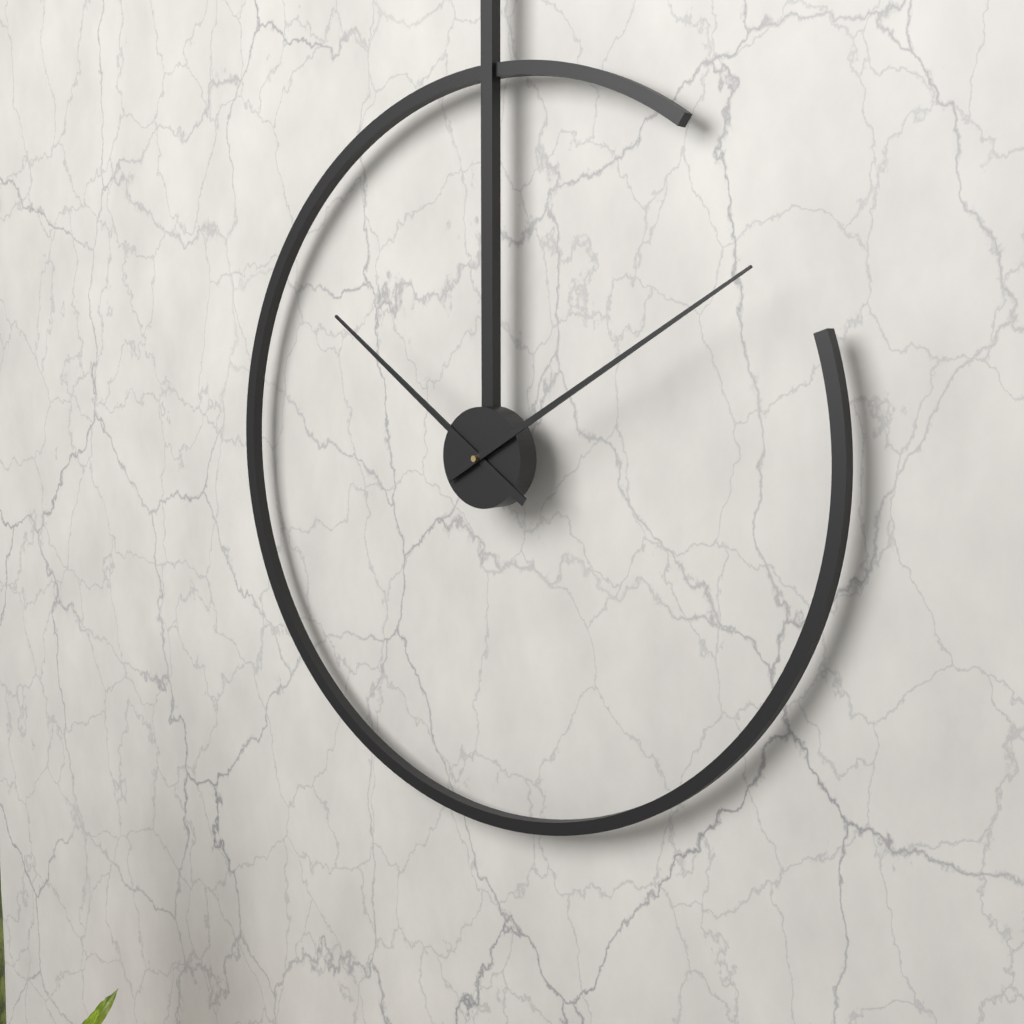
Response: 10:10
